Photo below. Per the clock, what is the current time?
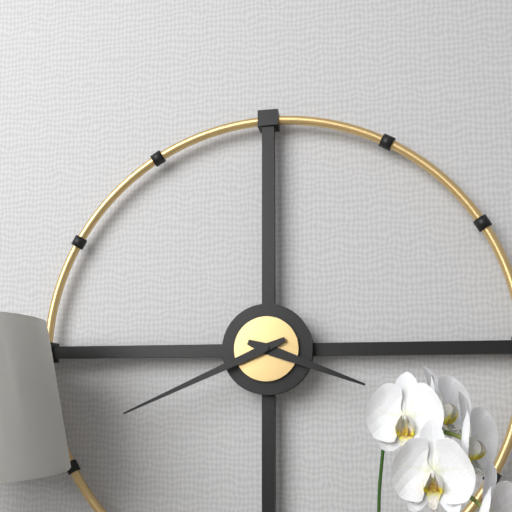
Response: 3:41
